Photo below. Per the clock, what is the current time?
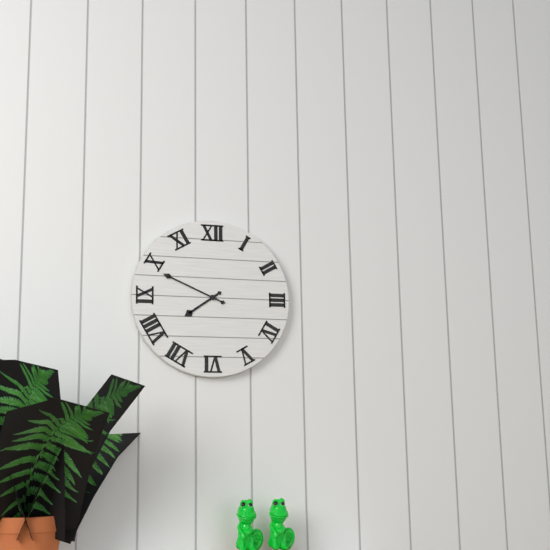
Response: 7:49
